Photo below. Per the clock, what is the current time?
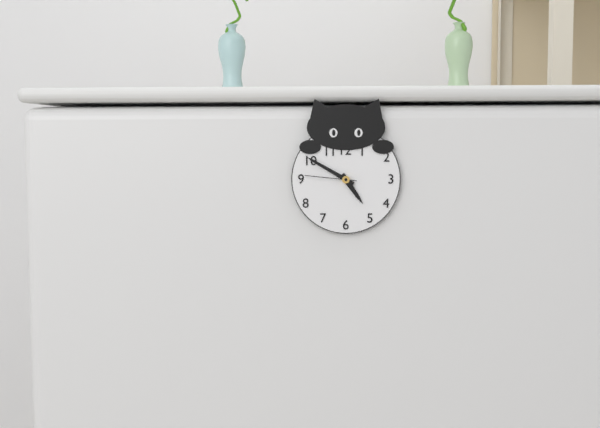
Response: 4:50:46
